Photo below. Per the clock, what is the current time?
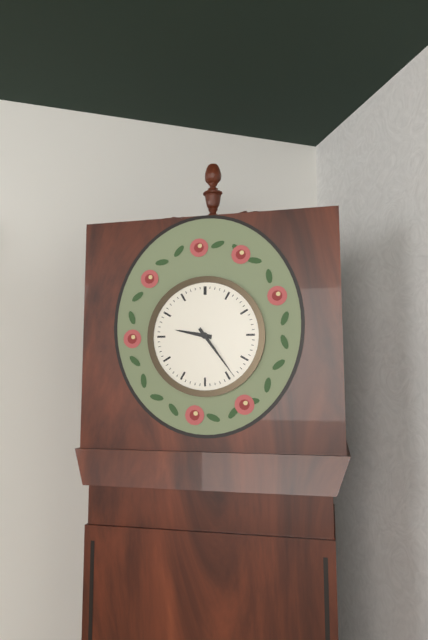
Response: 9:24
